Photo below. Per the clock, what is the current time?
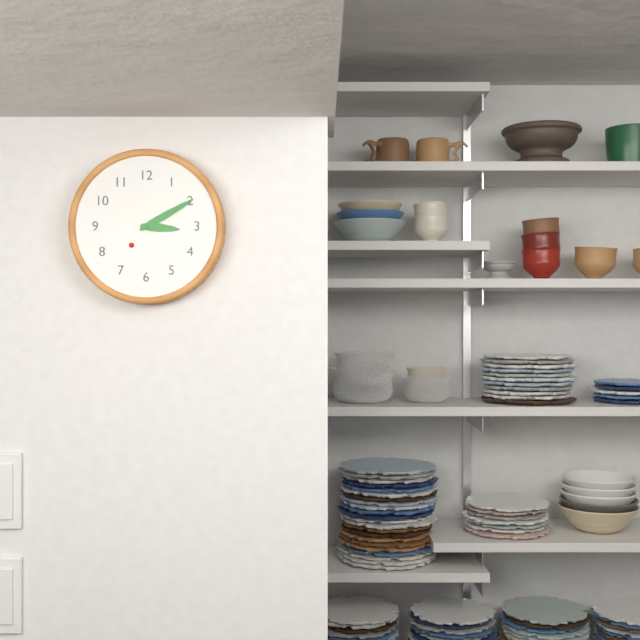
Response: 3:10
